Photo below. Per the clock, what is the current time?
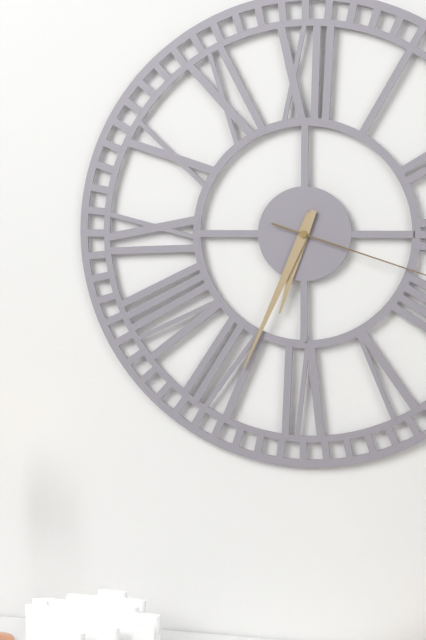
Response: 6:34
